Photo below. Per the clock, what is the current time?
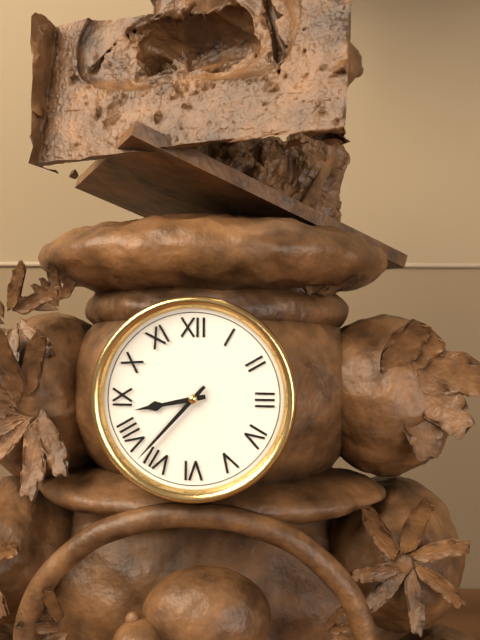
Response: 8:37
